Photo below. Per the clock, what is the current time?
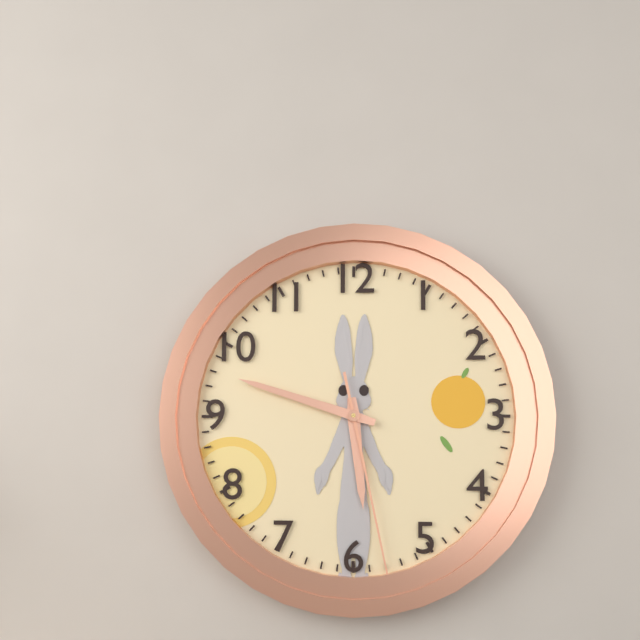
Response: 5:48:28
